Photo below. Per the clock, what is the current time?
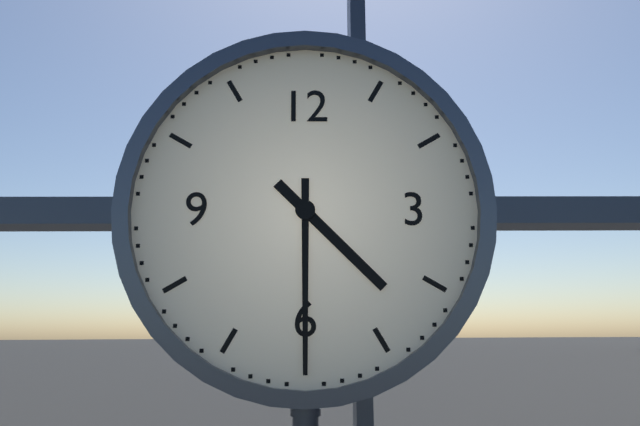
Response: 4:30
